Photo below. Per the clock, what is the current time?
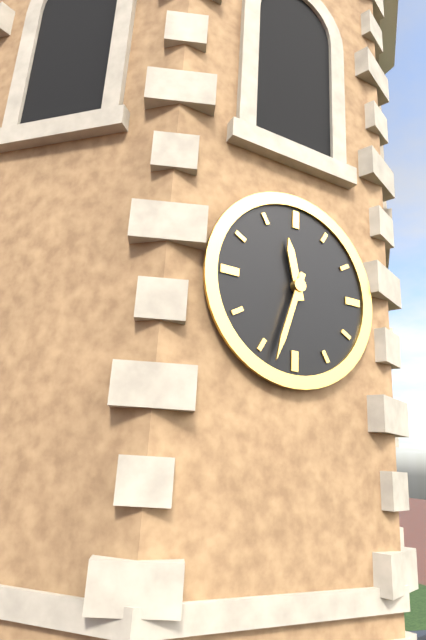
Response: 11:33
